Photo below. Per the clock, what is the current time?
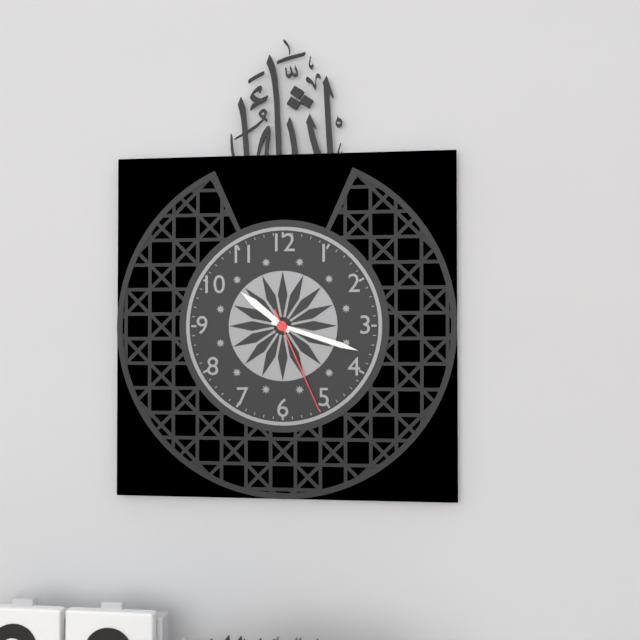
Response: 10:18:26
